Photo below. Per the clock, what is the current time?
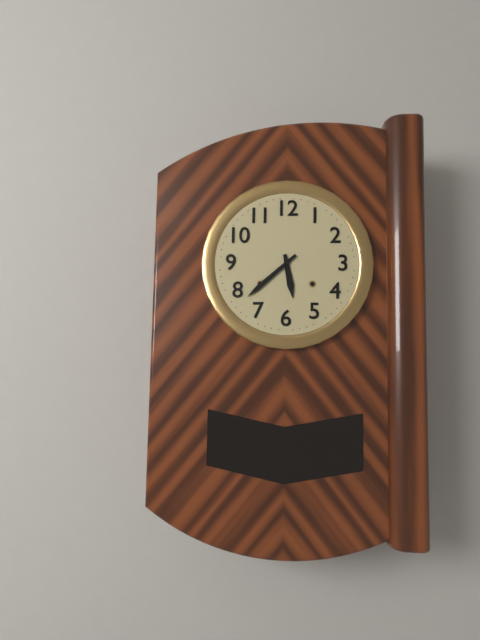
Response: 5:38
